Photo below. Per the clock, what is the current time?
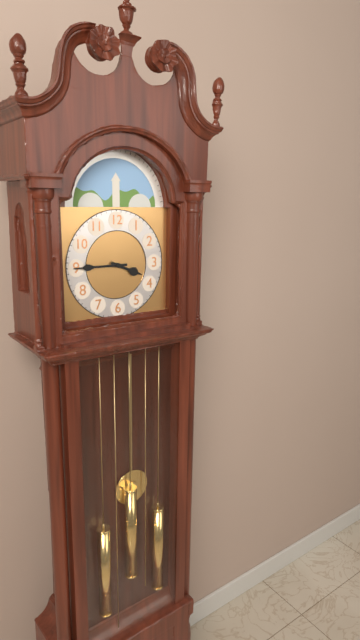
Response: 3:45
